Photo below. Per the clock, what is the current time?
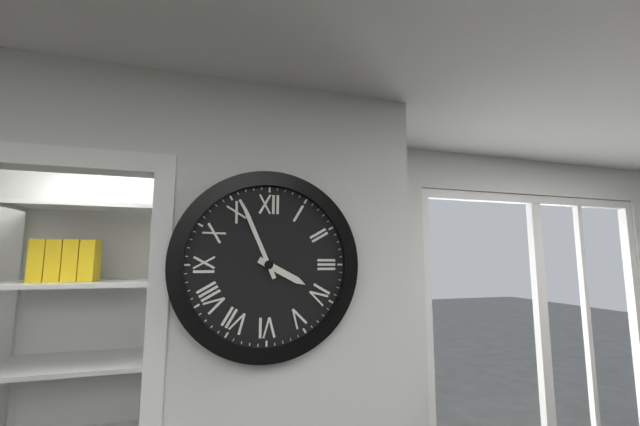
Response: 3:56
